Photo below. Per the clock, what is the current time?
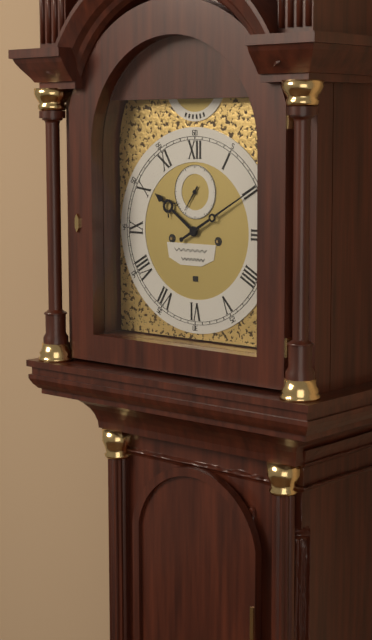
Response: 10:10
